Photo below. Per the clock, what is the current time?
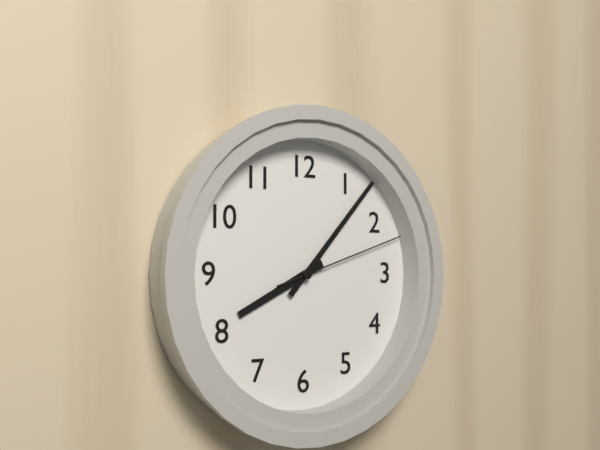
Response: 8:07:12
